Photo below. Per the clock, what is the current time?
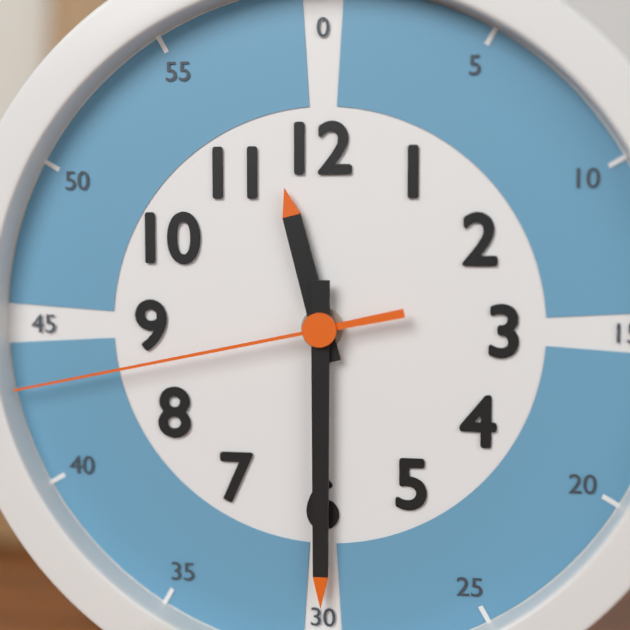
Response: 11:30:43
